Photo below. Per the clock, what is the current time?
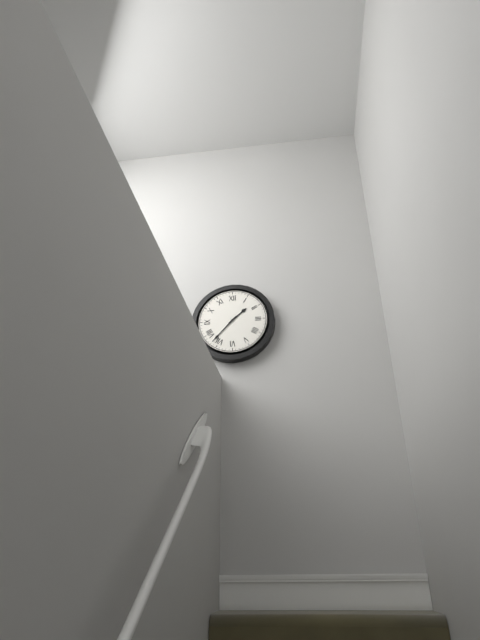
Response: 1:37
